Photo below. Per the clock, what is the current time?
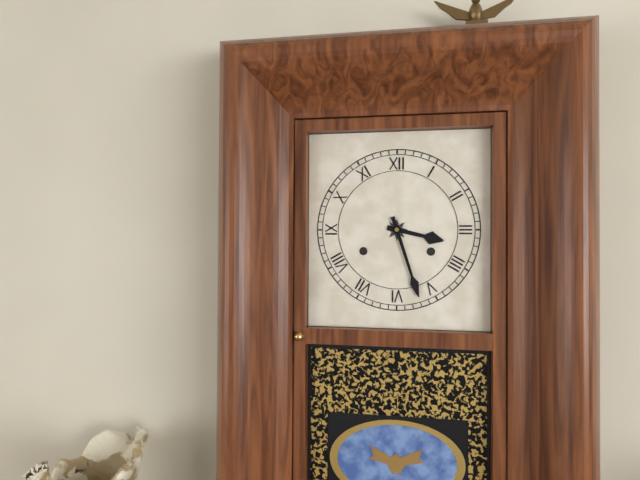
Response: 3:27
